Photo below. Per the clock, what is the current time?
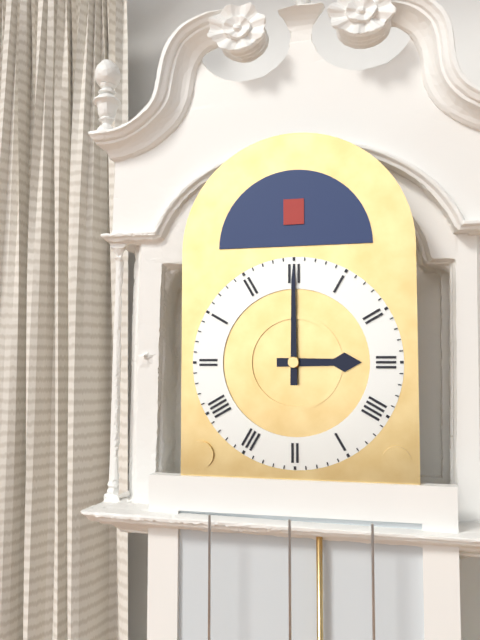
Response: 3:00
